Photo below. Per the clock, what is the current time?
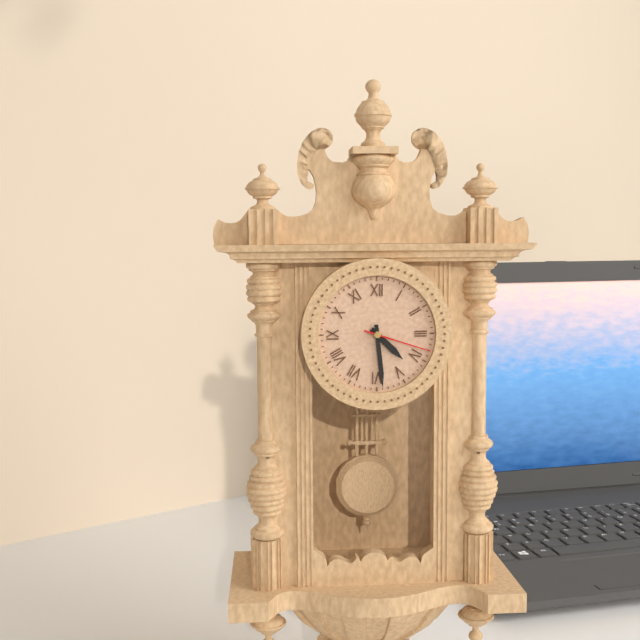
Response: 4:29:18
